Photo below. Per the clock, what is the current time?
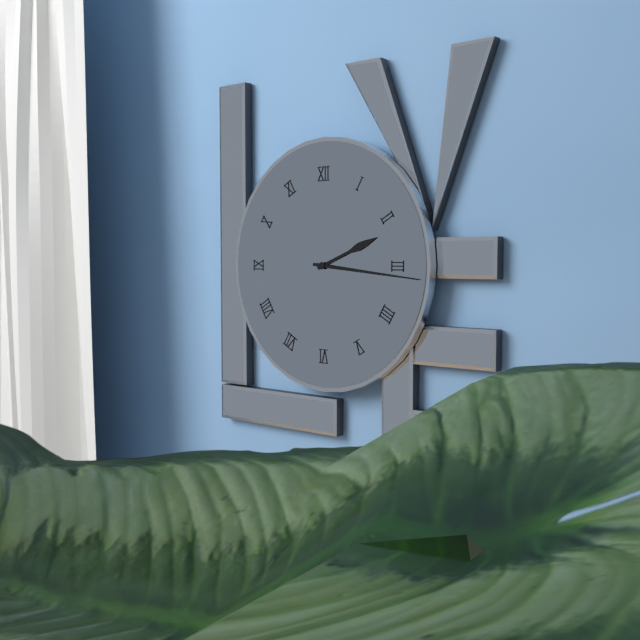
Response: 2:16
